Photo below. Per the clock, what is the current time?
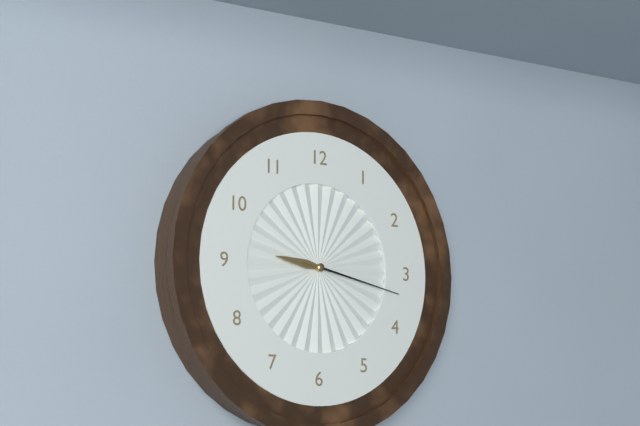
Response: 9:17
